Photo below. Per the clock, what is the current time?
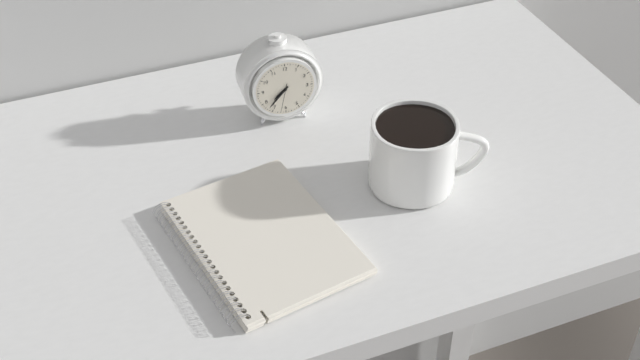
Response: 7:37
